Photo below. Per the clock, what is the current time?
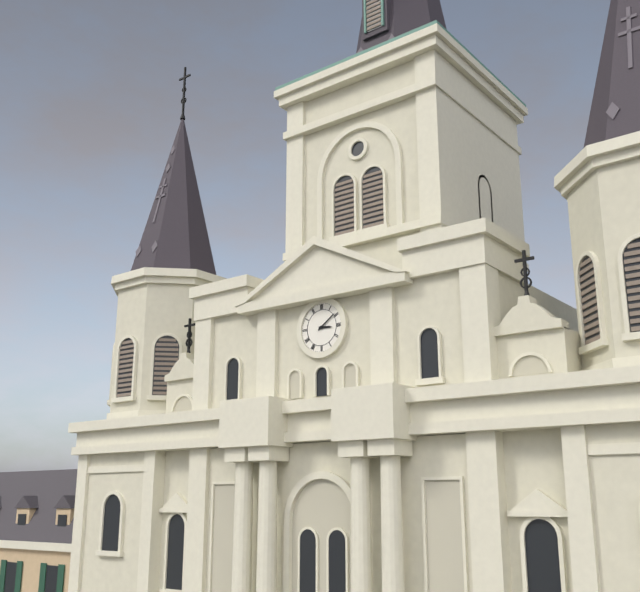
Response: 3:09
